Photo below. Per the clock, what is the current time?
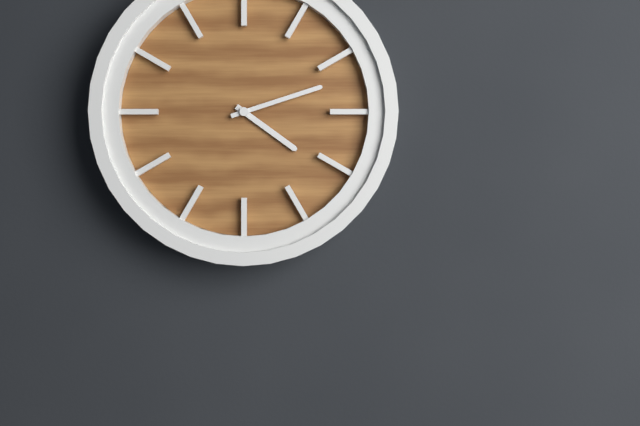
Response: 4:12
